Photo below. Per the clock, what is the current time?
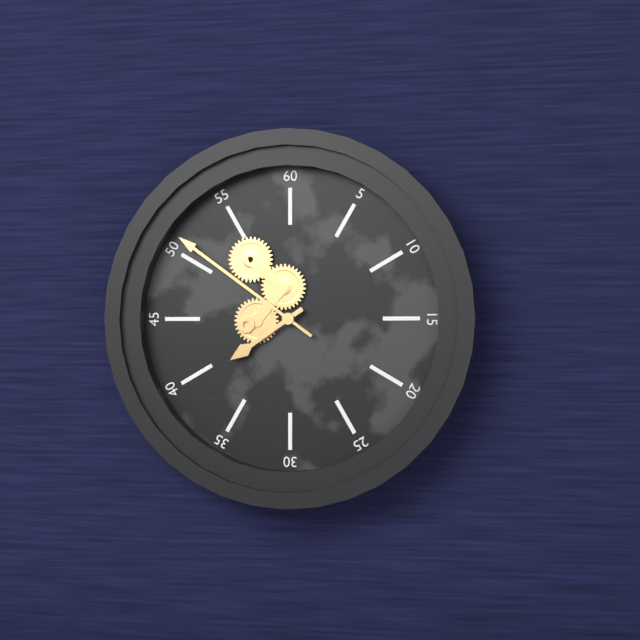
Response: 7:51
